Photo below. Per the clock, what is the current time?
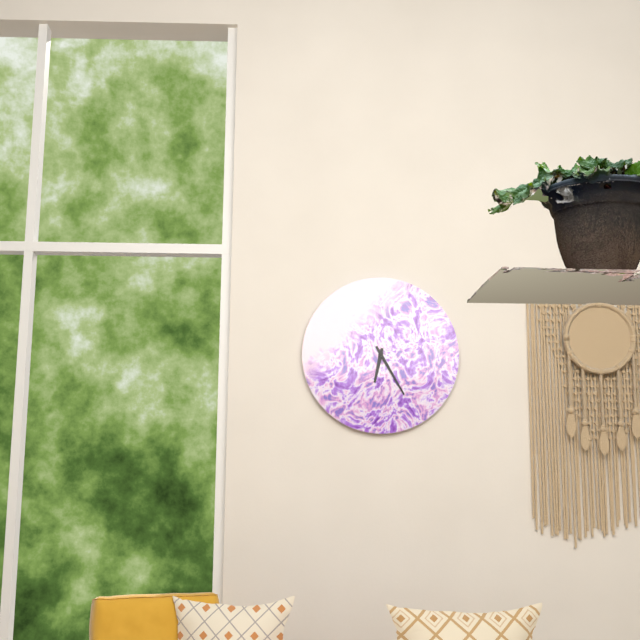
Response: 6:25
